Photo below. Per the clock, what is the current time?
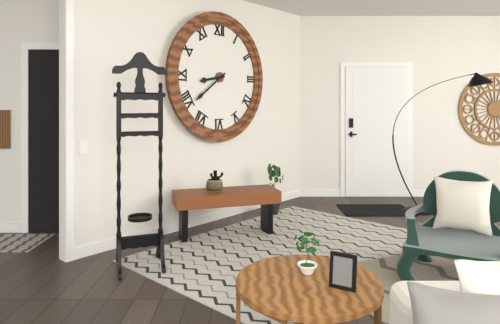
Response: 8:39
